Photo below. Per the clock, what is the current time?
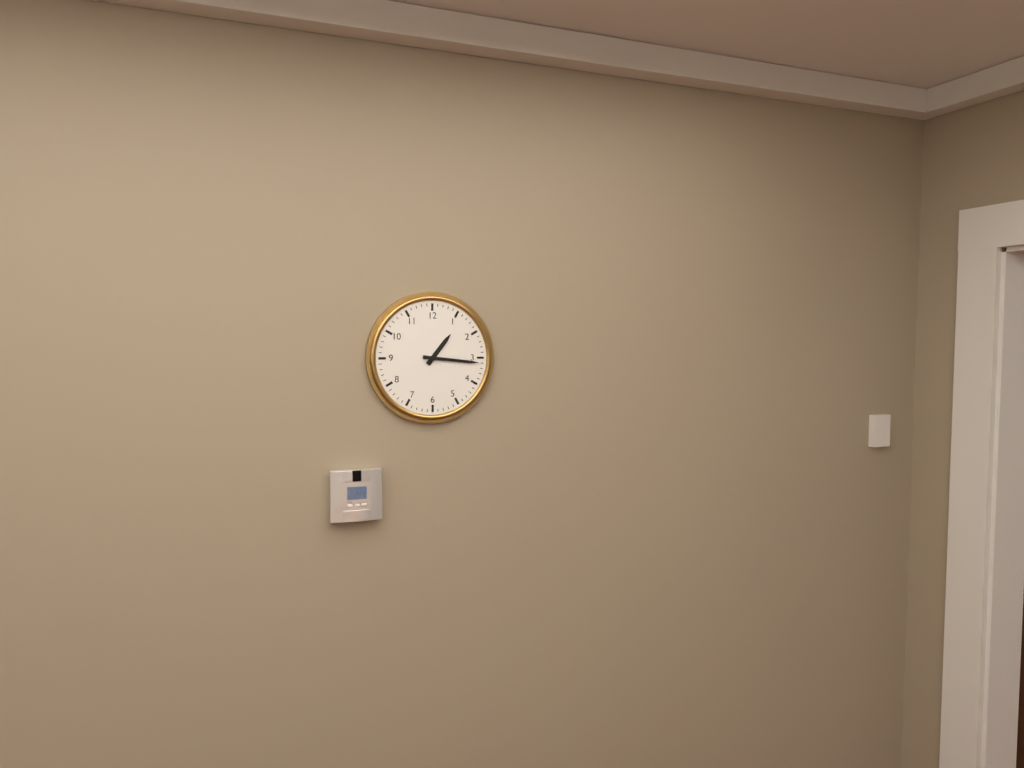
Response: 1:16
